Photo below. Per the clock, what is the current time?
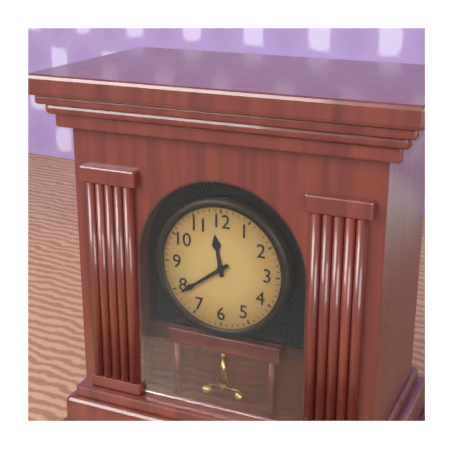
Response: 11:39
